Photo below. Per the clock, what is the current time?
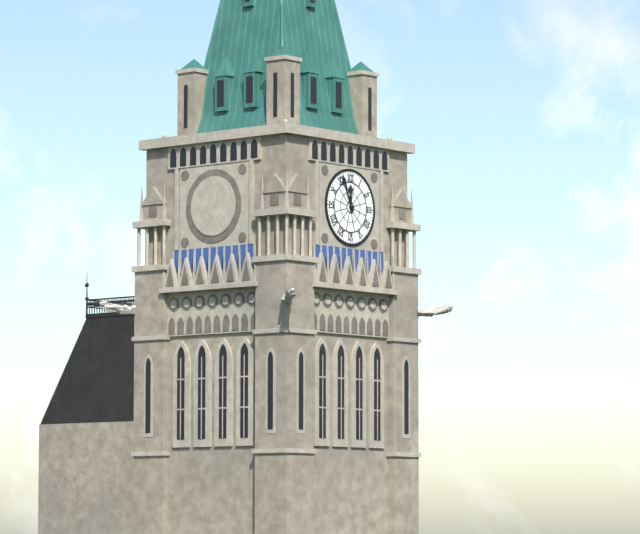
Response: 11:56
